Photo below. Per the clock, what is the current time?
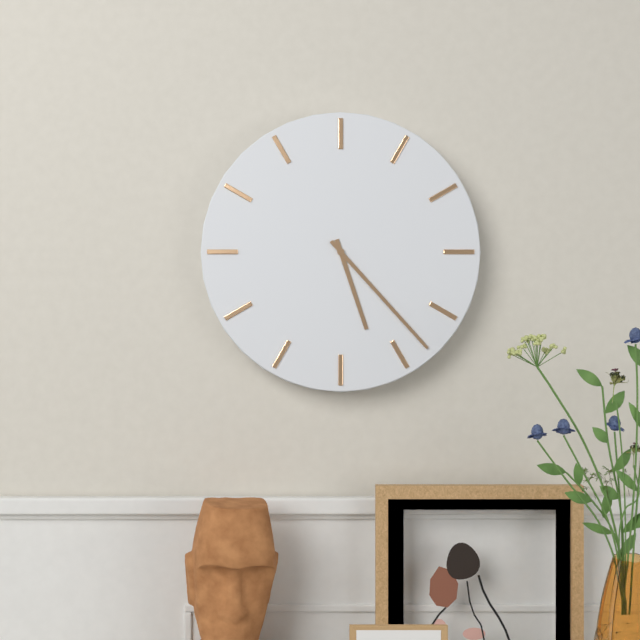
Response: 5:23
